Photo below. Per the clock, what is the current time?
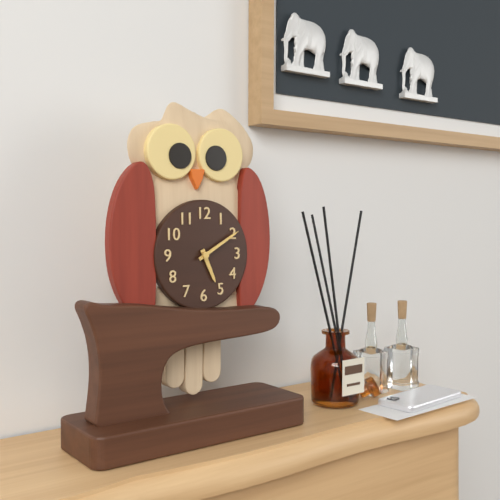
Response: 5:10
